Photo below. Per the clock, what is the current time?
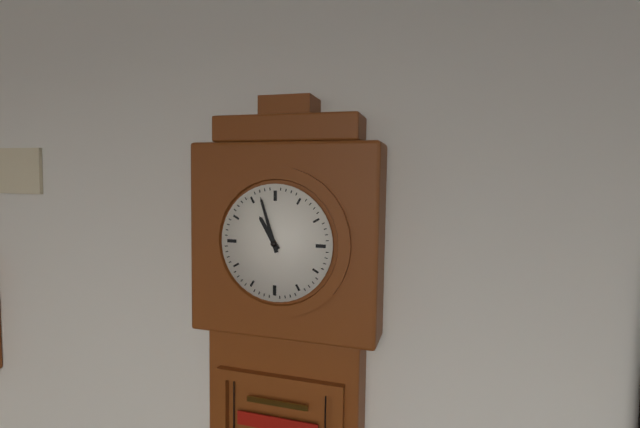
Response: 10:57
